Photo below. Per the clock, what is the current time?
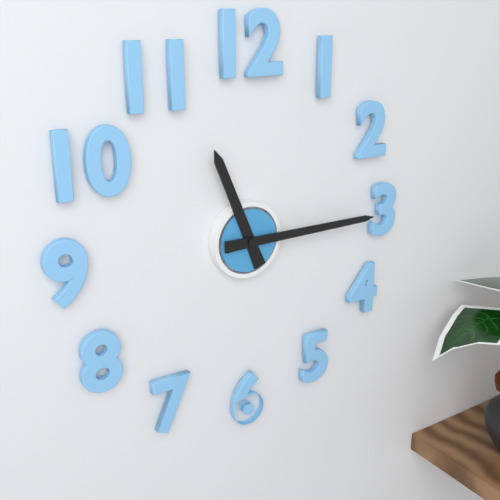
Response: 11:15
